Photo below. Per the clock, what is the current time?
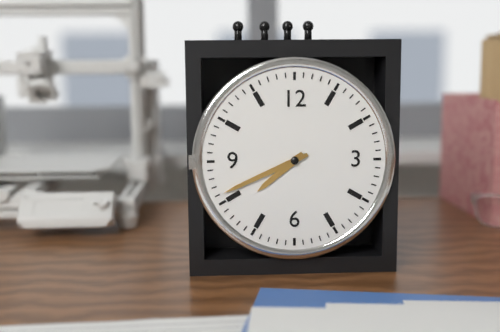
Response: 7:41
